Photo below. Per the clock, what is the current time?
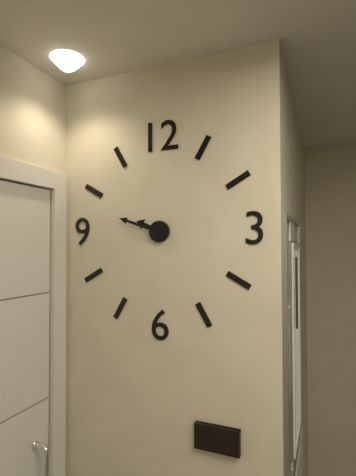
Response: 9:48
